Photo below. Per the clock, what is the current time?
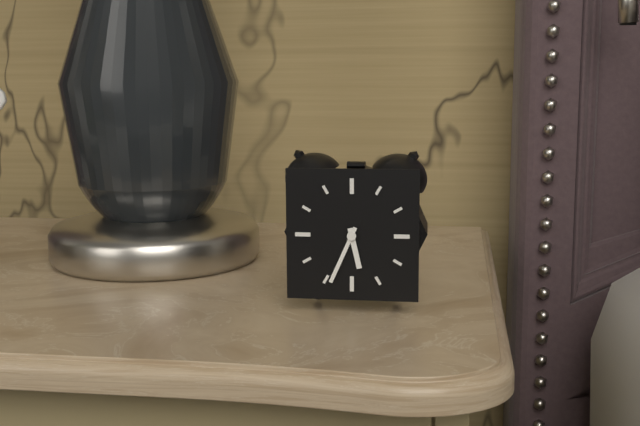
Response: 5:34
